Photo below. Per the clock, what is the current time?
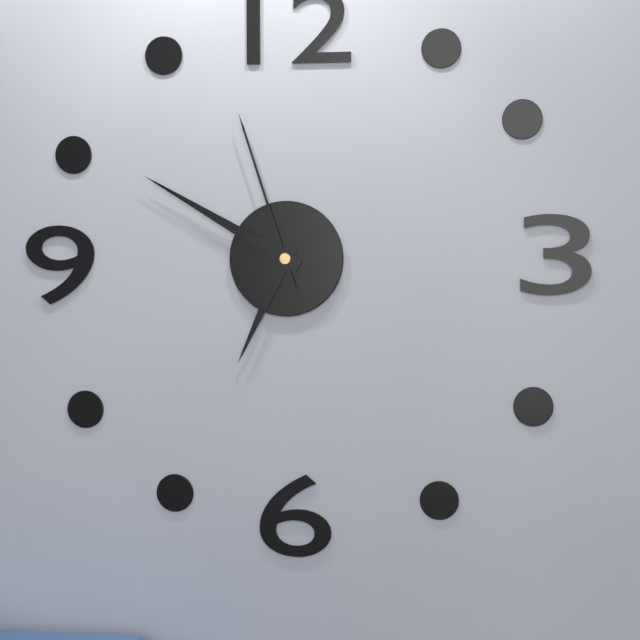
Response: 6:50:57
